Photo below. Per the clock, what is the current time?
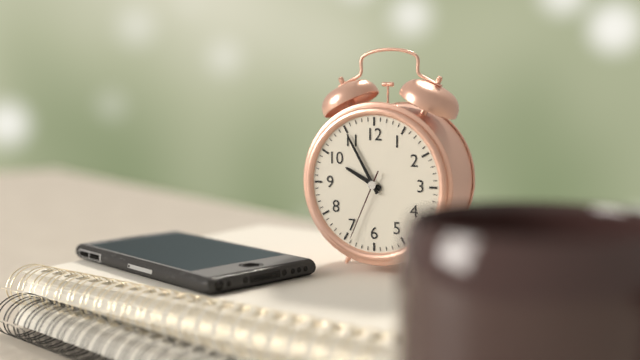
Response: 9:55:34
